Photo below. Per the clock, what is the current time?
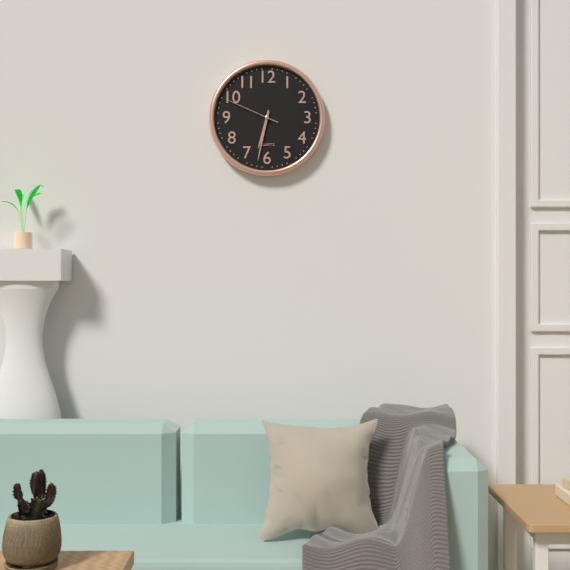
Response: 6:32:49
